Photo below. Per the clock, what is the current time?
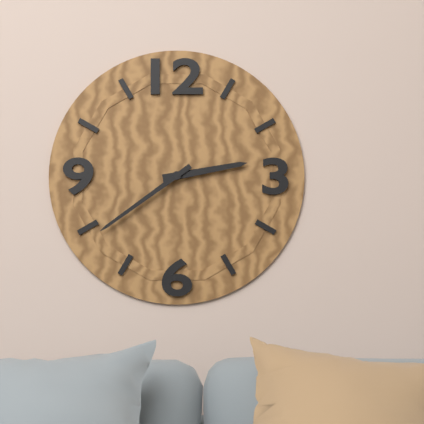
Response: 2:39
